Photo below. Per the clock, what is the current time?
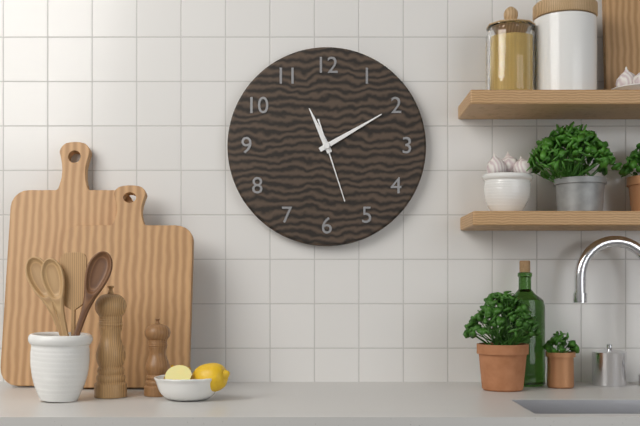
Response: 11:10:27
